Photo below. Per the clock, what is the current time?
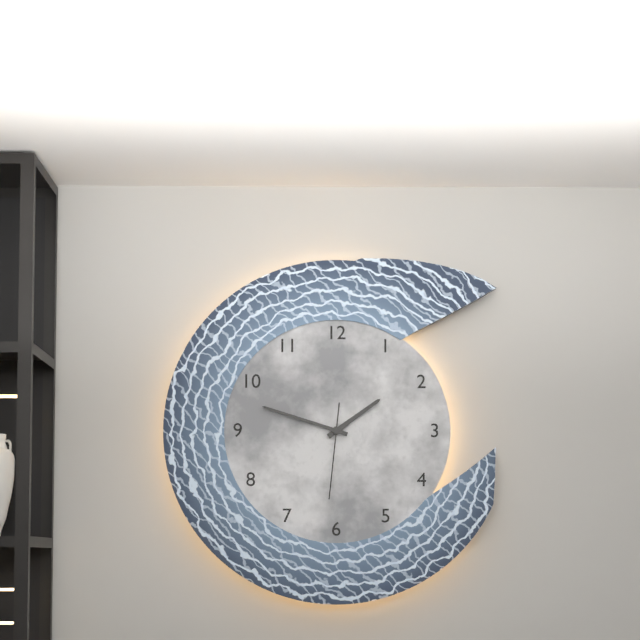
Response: 1:48:31
